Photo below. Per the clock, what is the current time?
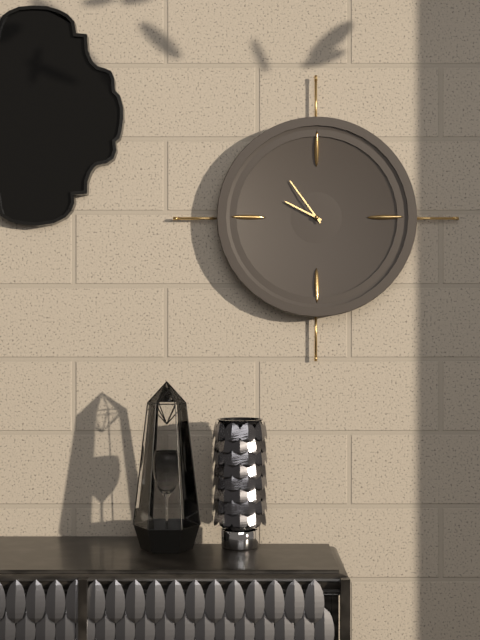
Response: 9:54
